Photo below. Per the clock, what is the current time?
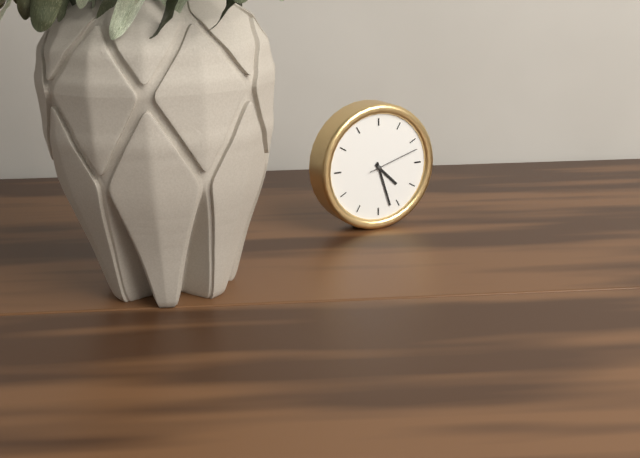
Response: 4:27:12
